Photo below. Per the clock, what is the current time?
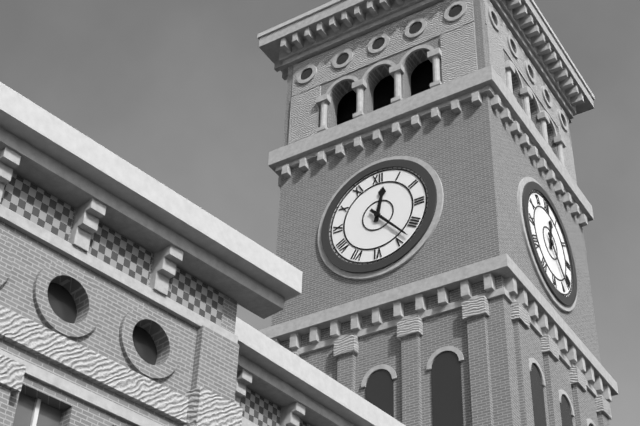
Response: 12:23
